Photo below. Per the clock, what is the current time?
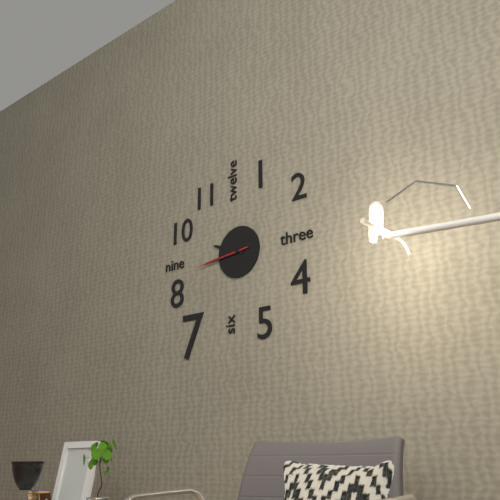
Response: 9:44:44
